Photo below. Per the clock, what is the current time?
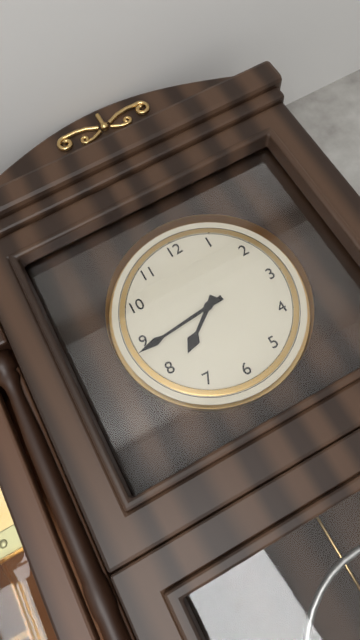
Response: 7:44
